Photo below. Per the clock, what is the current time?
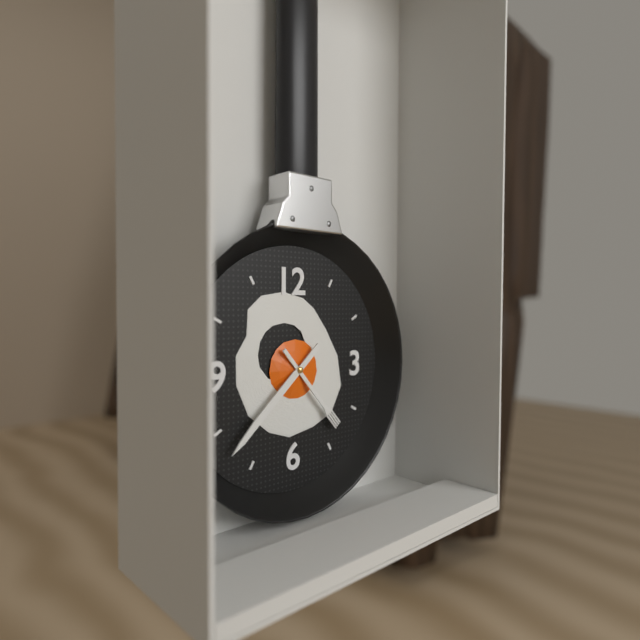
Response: 4:38
